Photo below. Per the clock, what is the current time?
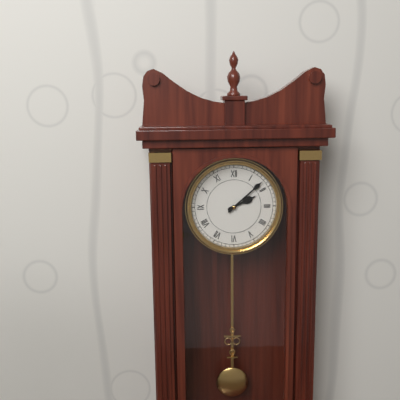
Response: 2:08
